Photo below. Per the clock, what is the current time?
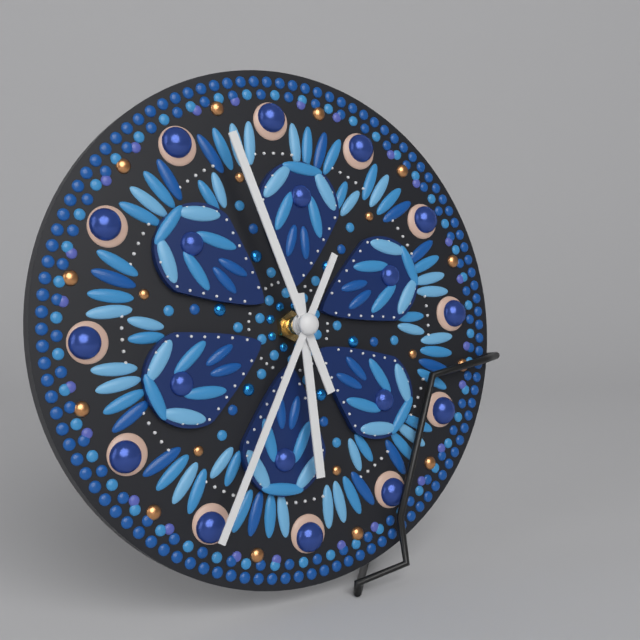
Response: 5:57:35
